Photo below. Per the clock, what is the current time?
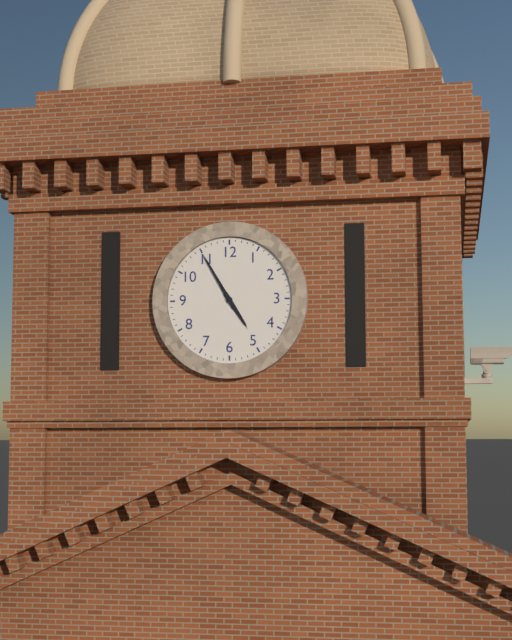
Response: 4:55
